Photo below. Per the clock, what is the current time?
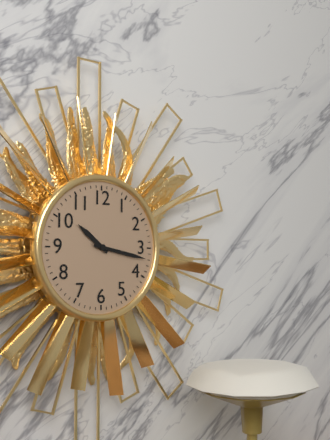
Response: 10:17
